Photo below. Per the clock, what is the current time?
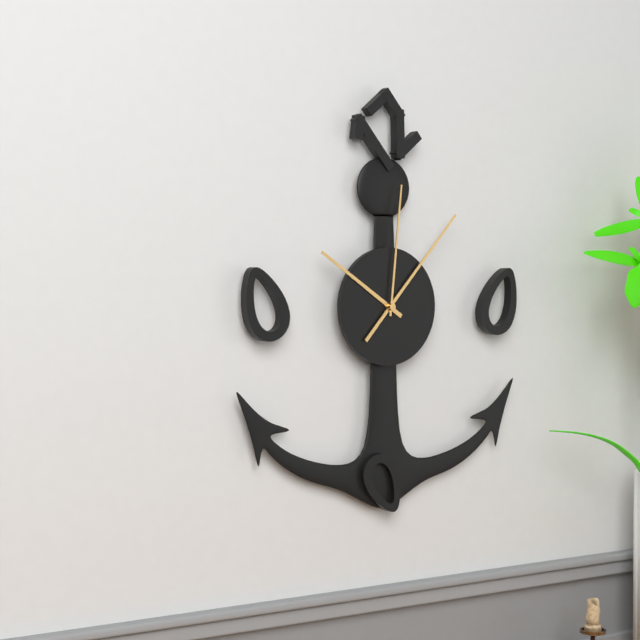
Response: 10:07:01
